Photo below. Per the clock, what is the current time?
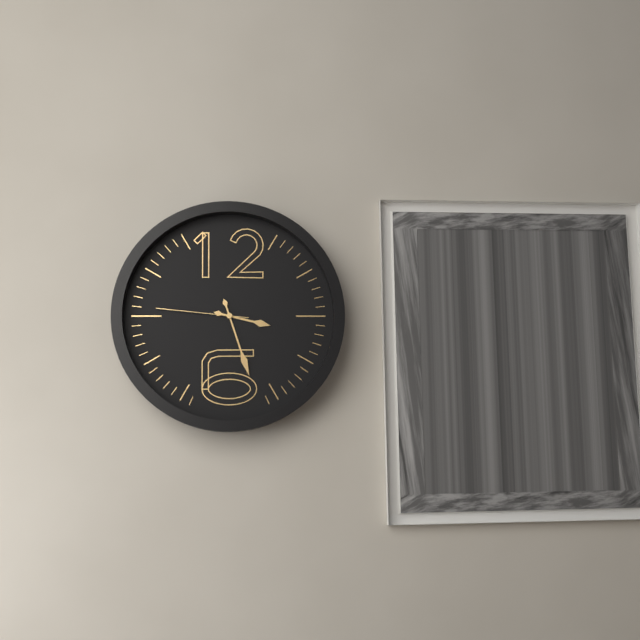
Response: 3:27:46
